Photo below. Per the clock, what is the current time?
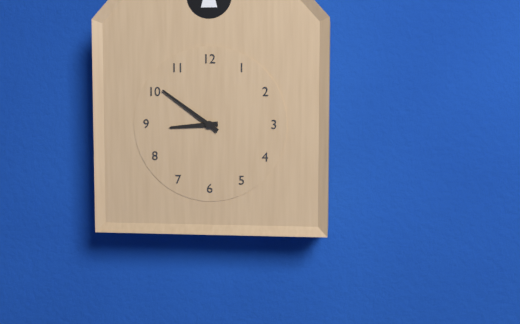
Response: 8:51
